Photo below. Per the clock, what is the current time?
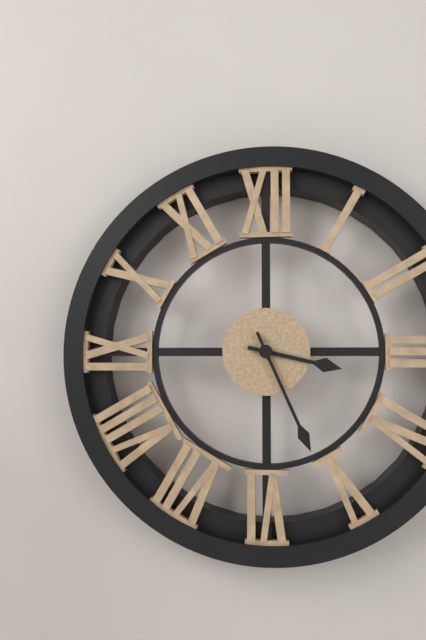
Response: 3:26
